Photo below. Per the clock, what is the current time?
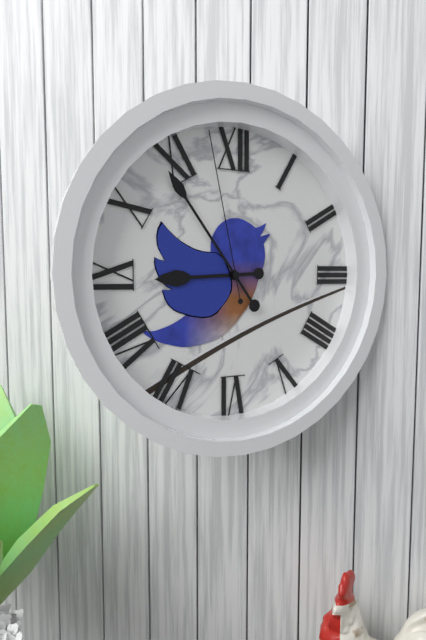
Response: 8:54:58
